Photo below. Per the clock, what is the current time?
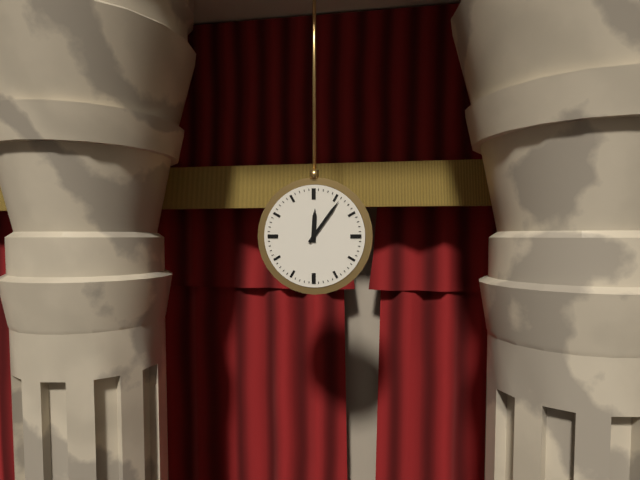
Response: 12:06
